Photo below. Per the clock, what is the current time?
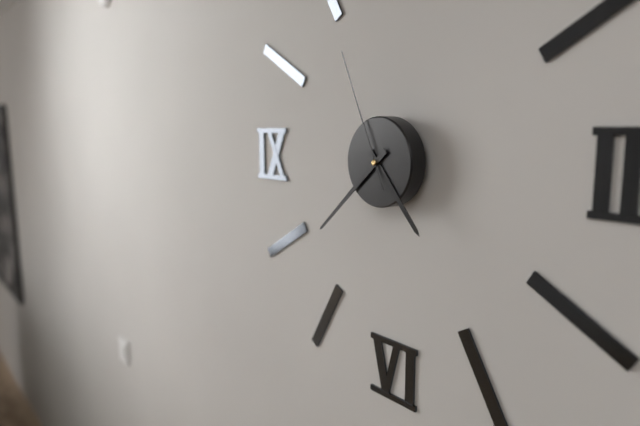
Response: 4:38:56
